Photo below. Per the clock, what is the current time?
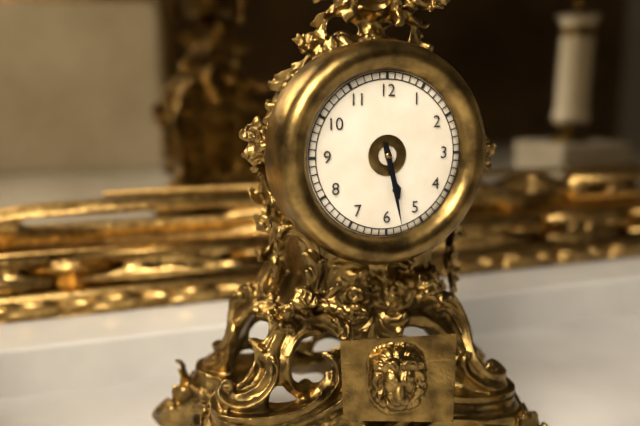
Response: 5:28
